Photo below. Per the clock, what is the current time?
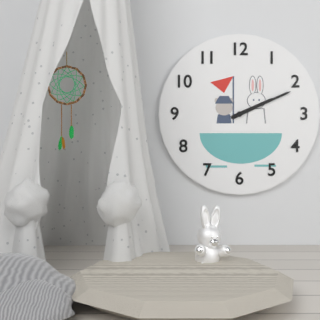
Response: 2:11
